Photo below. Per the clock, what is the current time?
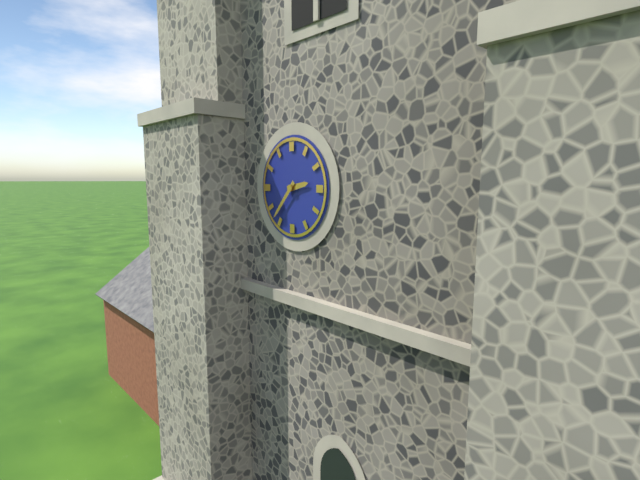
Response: 2:37
